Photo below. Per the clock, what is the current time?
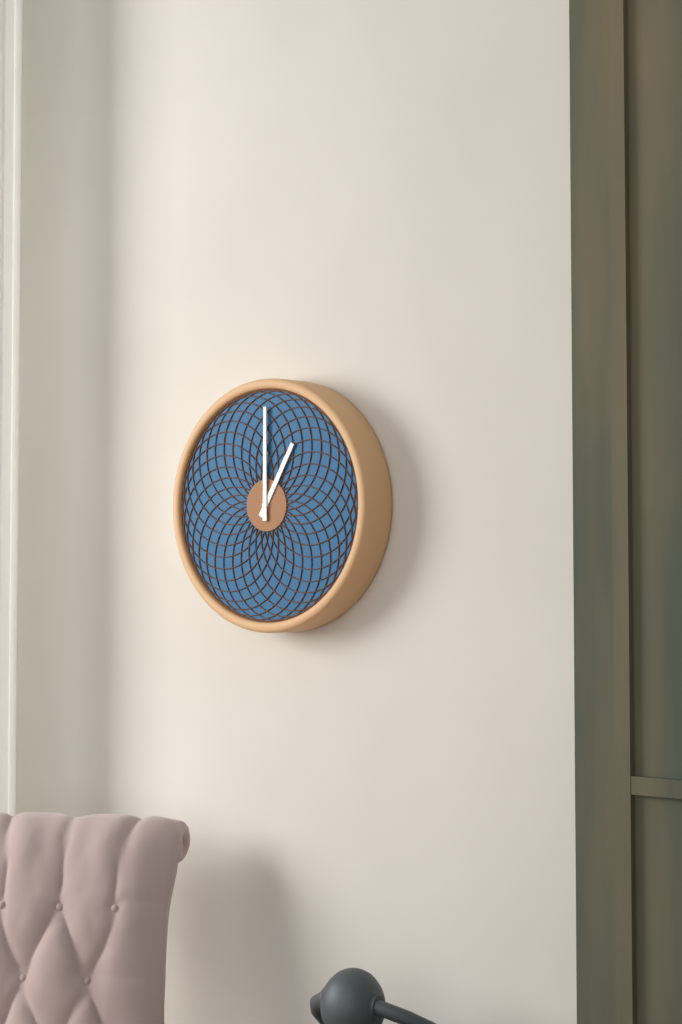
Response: 1:00
